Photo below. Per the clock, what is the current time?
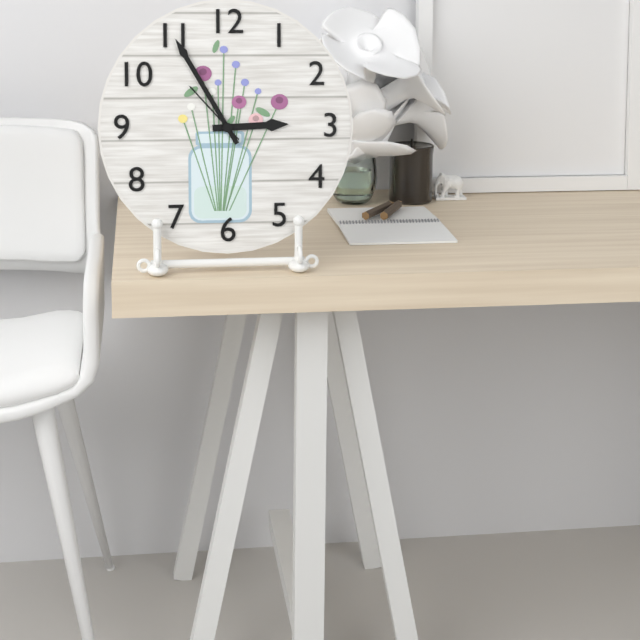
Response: 2:55:53
